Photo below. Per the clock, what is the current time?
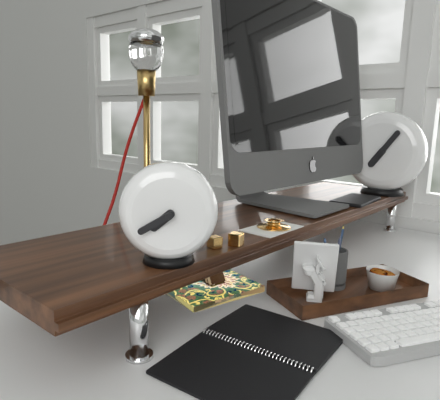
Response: 7:40
